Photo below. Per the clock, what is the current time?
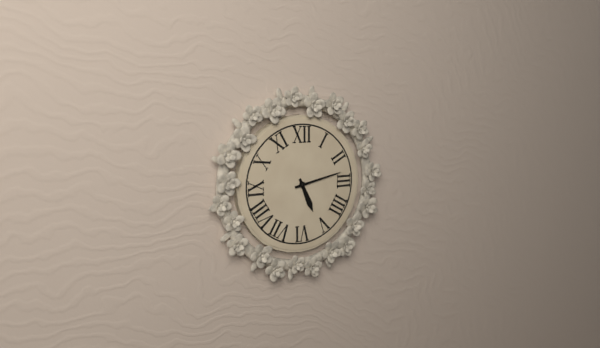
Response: 5:13
